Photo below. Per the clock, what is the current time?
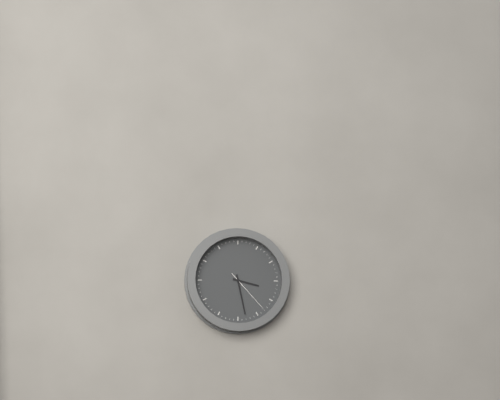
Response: 3:28
